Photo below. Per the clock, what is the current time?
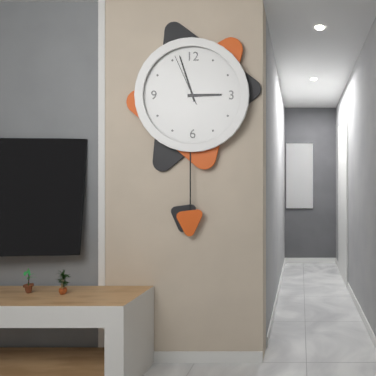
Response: 2:57:56
